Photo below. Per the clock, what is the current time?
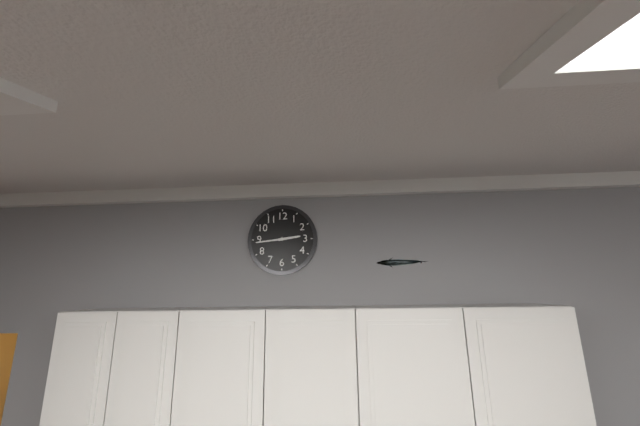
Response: 2:44
